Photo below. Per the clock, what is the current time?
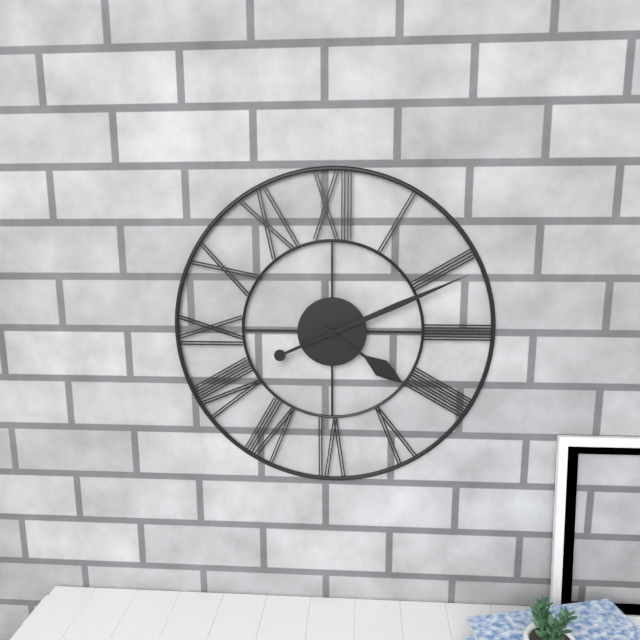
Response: 4:11
